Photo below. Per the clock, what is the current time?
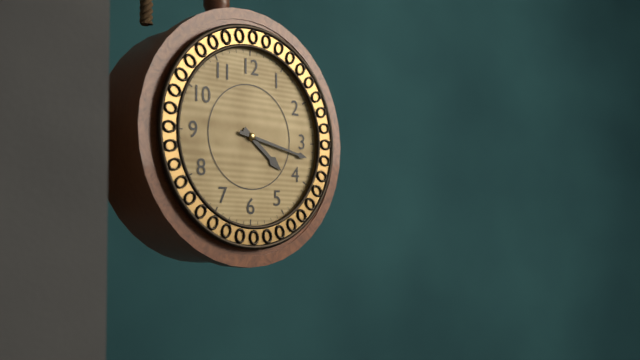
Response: 4:17
